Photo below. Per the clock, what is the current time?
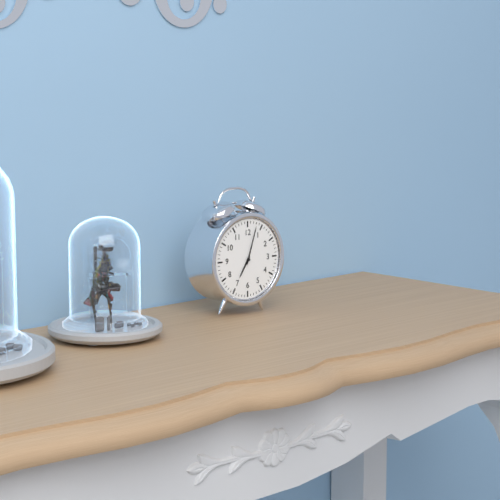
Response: 7:03
